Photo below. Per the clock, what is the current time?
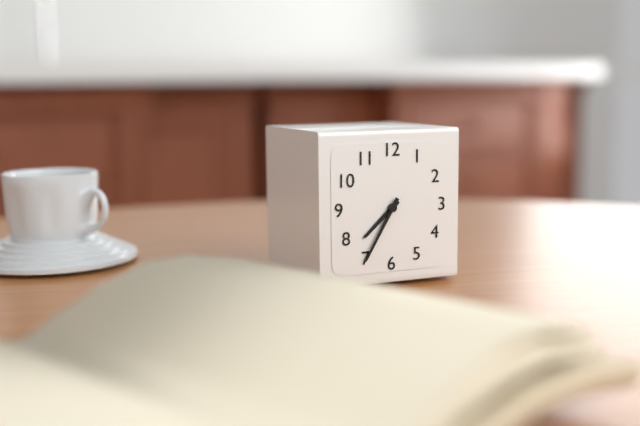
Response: 7:35
